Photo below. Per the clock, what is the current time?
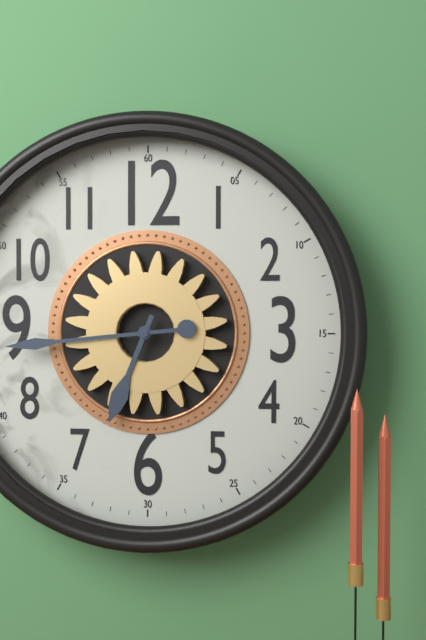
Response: 6:44
